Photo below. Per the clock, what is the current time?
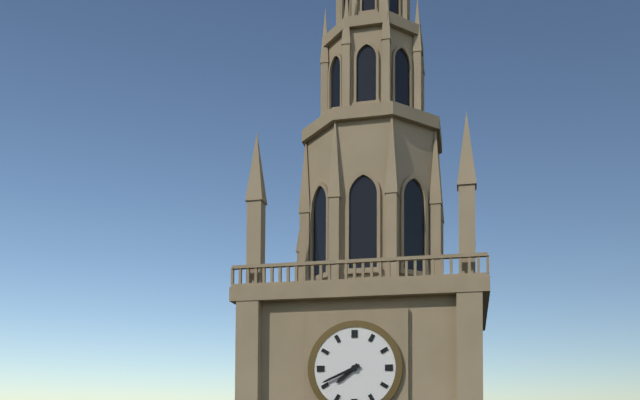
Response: 7:41
